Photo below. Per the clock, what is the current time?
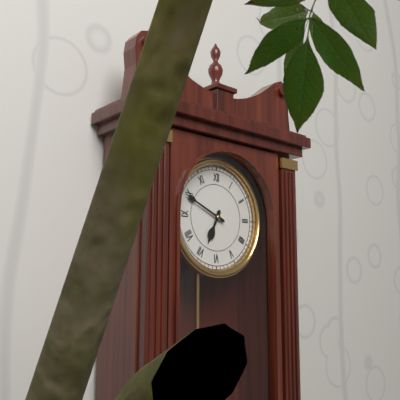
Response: 6:49
